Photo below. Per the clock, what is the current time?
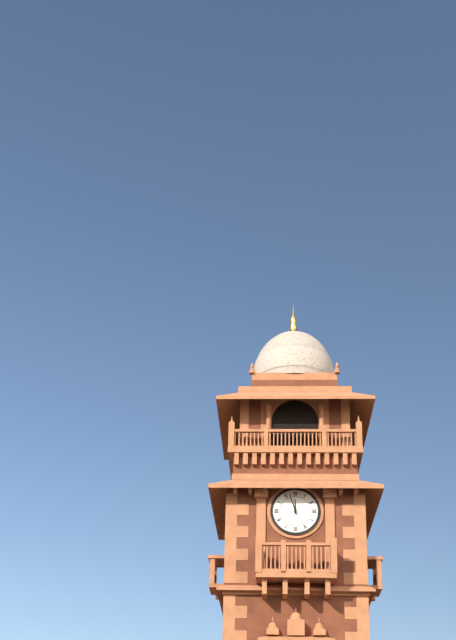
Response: 11:57
